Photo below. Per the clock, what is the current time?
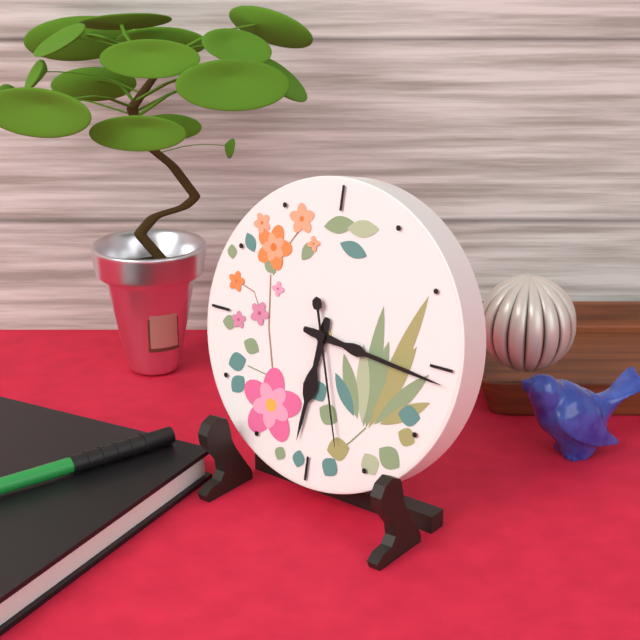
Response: 6:16:27
